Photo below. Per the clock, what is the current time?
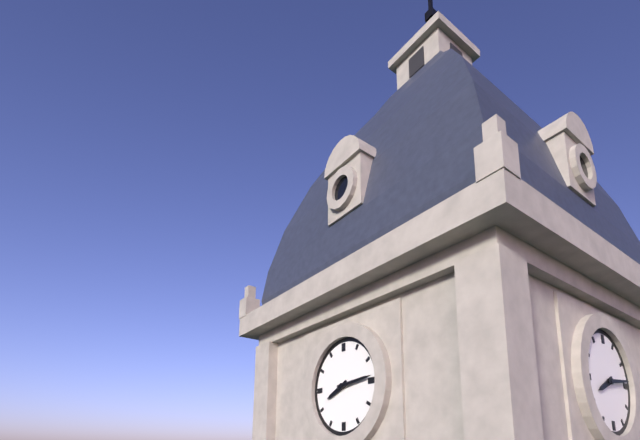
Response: 8:14
